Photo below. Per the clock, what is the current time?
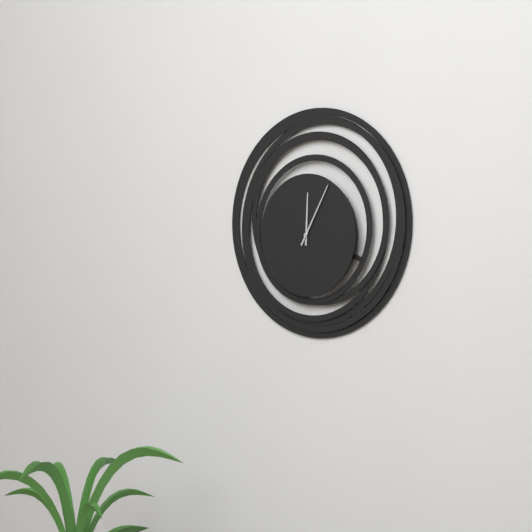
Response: 12:05
